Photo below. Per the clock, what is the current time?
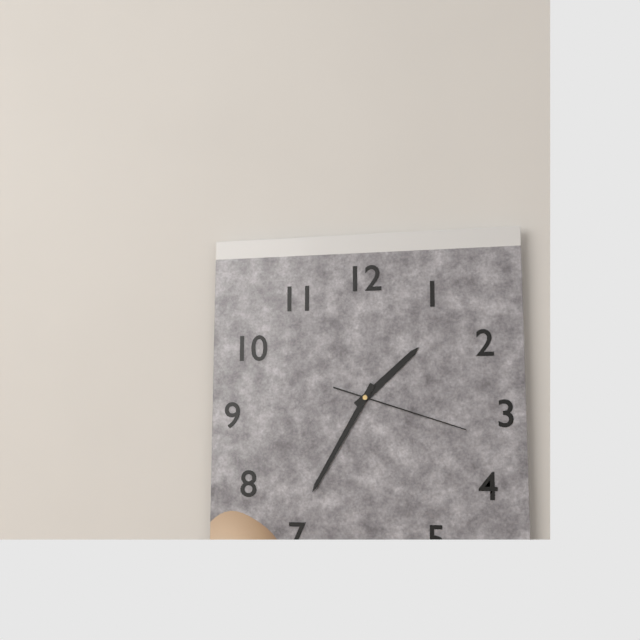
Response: 1:35:18
